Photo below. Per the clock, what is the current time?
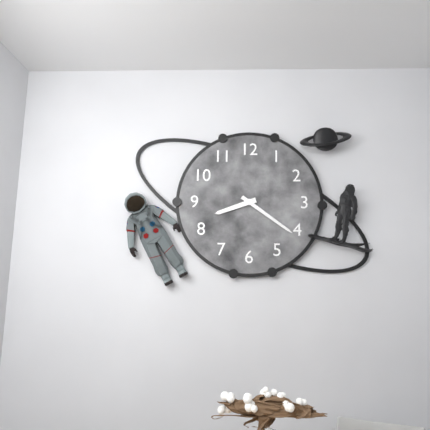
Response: 8:21
